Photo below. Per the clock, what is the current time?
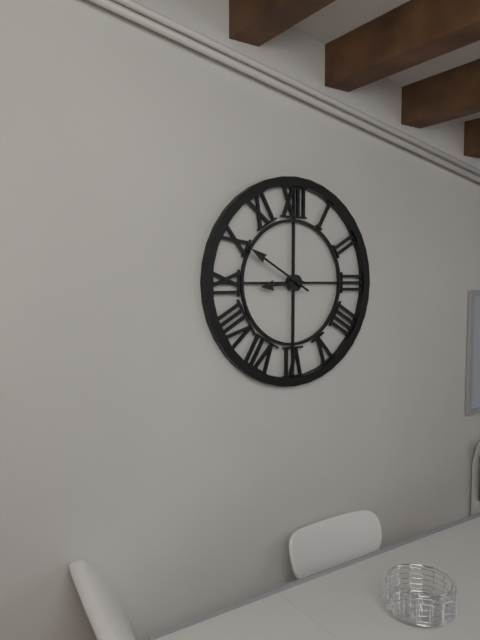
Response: 8:50
